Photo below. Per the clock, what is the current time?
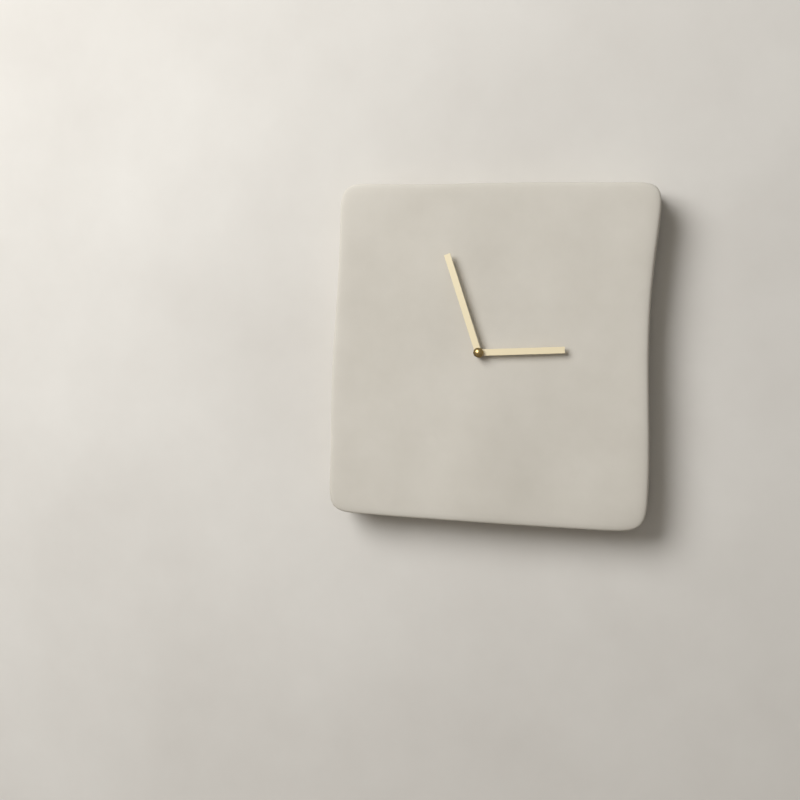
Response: 2:57
